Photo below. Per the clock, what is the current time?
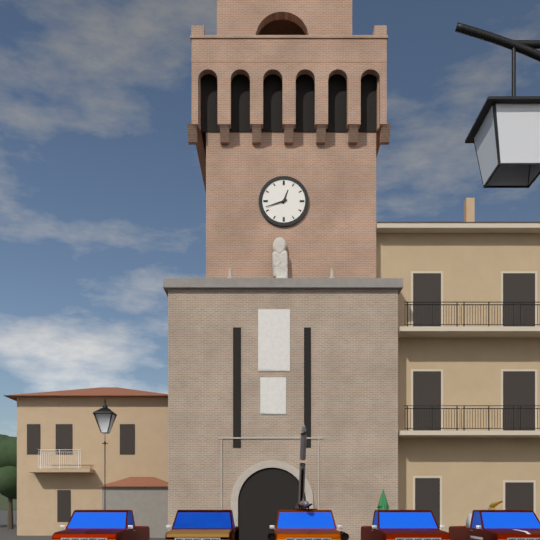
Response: 12:42
